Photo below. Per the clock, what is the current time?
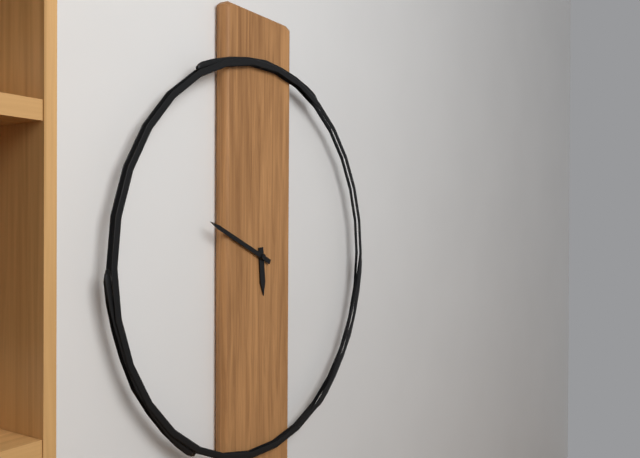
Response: 5:49
